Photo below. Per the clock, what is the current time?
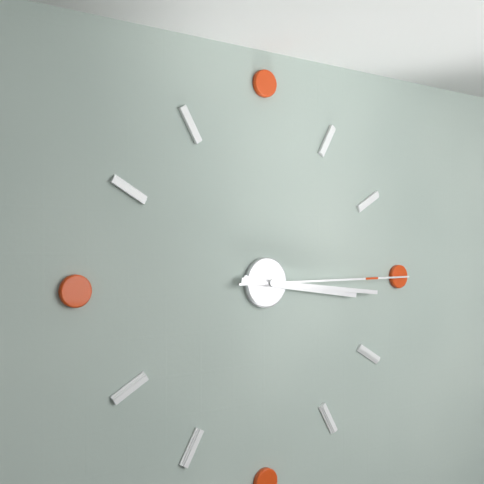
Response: 3:16:15
